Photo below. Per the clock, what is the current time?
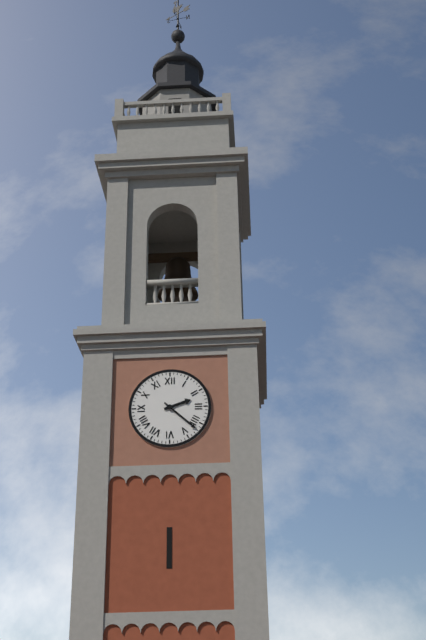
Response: 2:22
